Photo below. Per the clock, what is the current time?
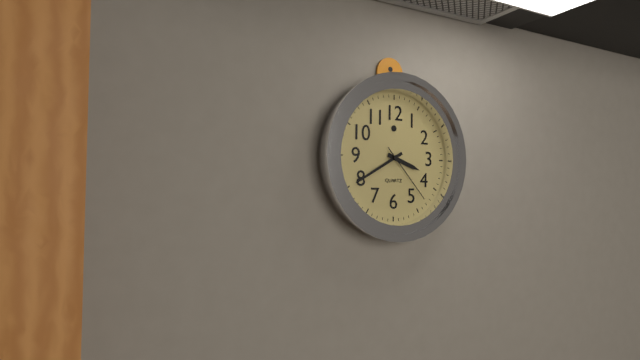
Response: 3:40:23
